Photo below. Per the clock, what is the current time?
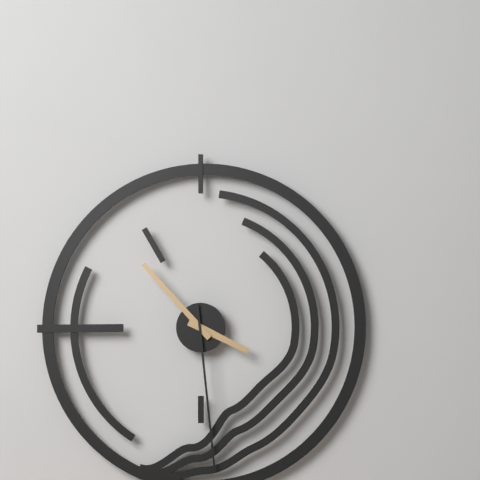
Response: 3:53:29
